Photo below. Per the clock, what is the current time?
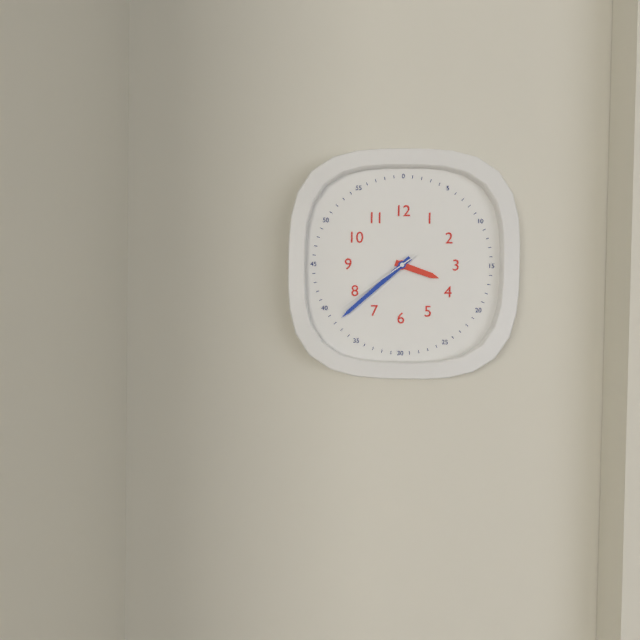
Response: 3:38:39
